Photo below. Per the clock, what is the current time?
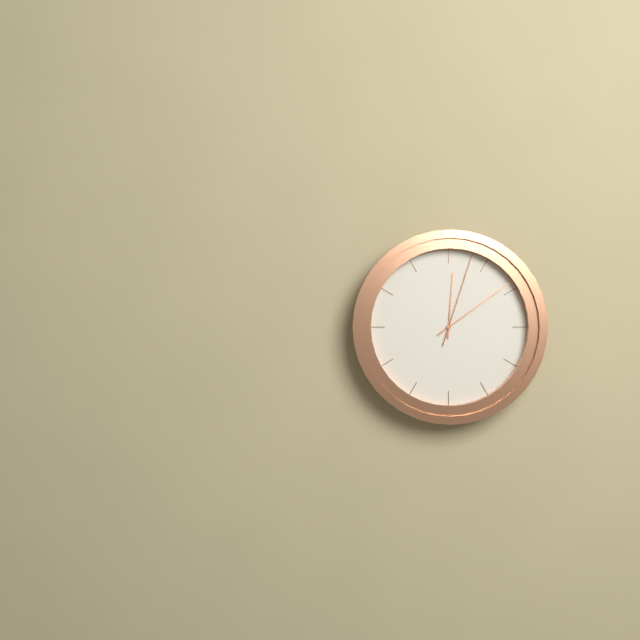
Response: 12:09:03
